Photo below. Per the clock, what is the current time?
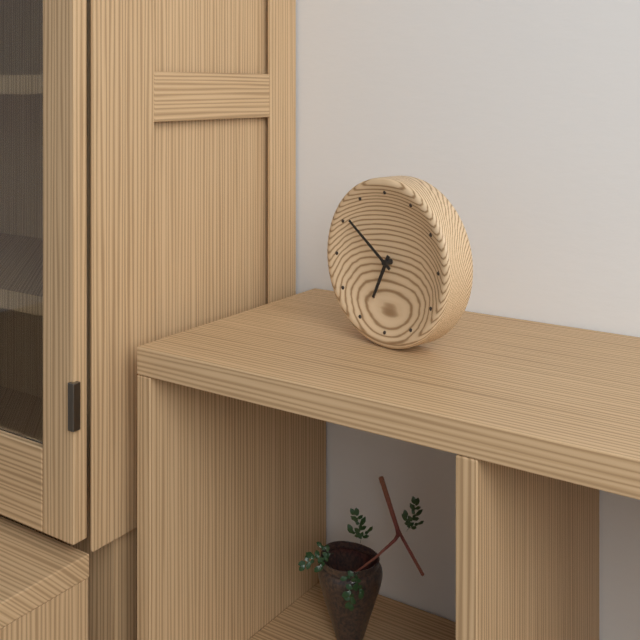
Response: 6:51
